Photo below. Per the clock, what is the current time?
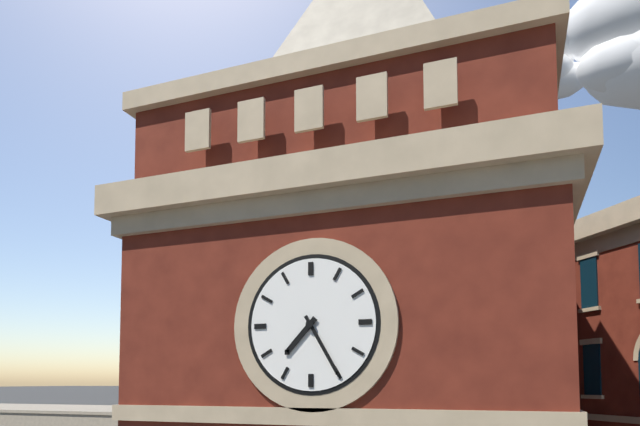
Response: 7:25
